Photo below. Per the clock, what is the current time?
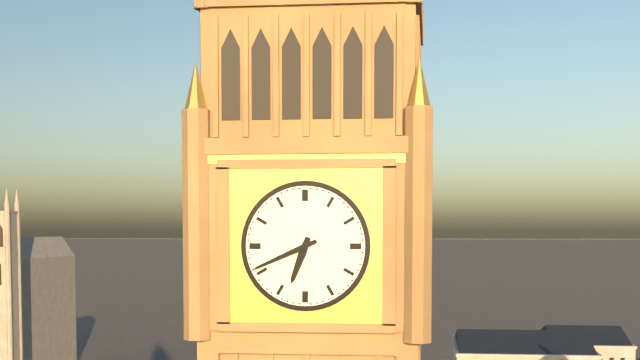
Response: 6:41
